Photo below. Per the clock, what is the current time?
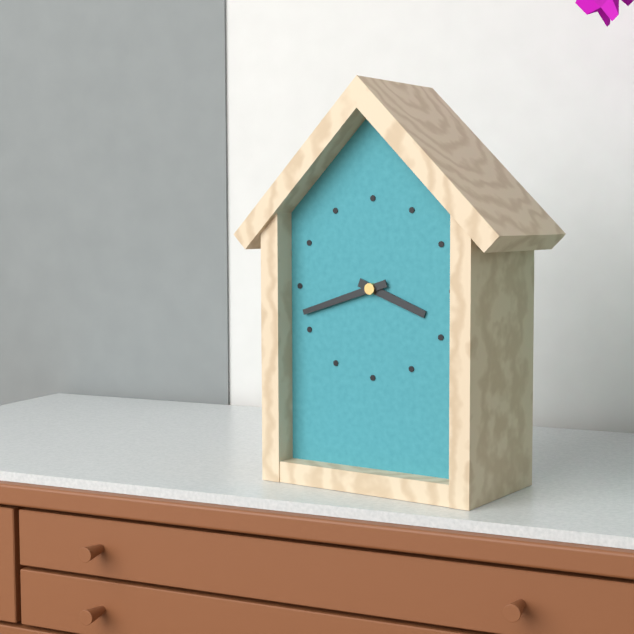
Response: 3:42
